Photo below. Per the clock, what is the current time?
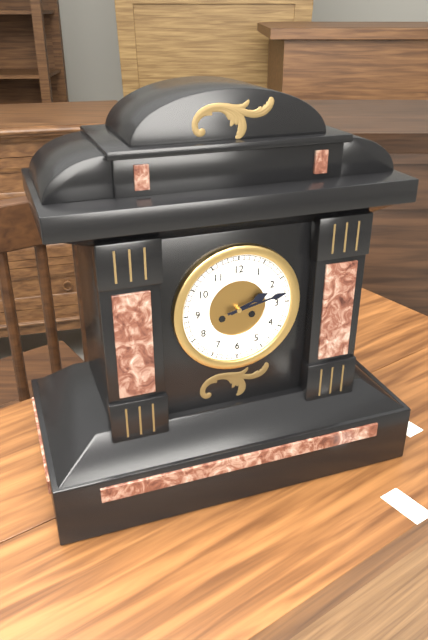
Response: 2:13
